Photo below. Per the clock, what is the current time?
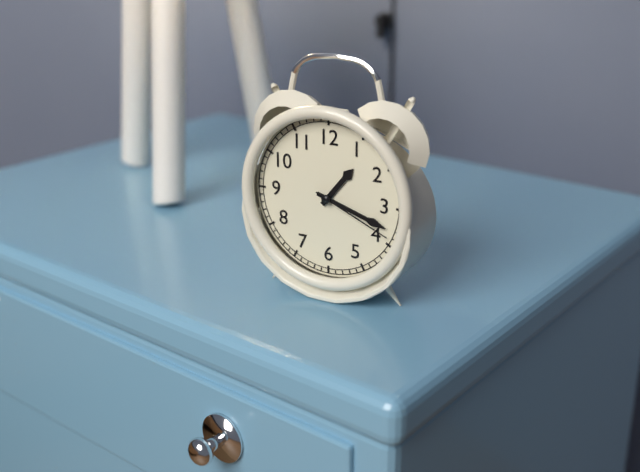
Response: 1:18:19
